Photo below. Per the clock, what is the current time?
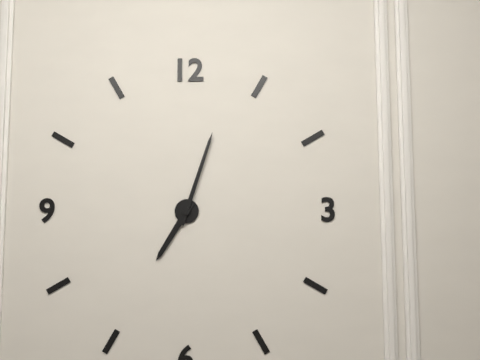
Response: 7:03
